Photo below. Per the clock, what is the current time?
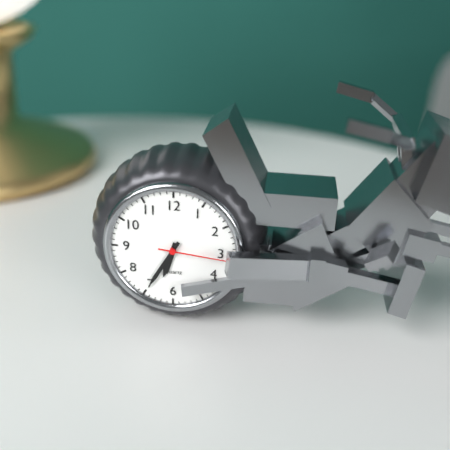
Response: 6:35:16
